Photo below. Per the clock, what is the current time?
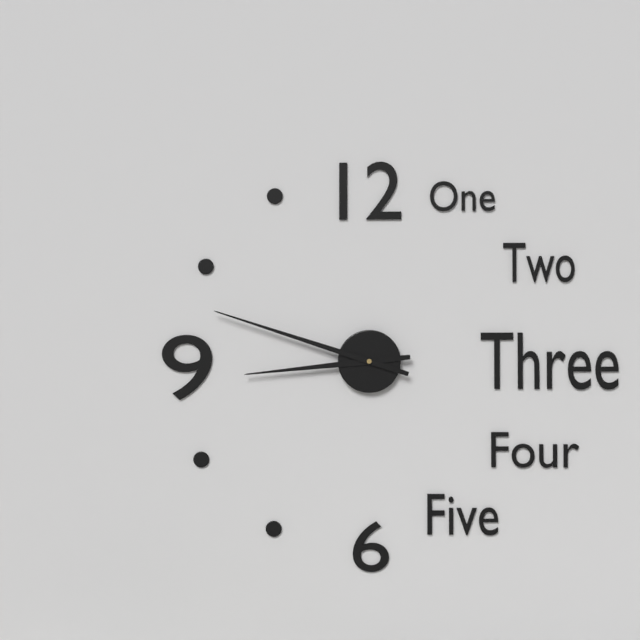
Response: 8:48
